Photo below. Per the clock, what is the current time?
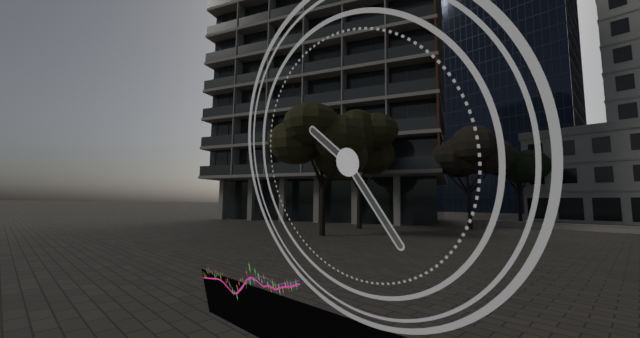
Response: 10:25
